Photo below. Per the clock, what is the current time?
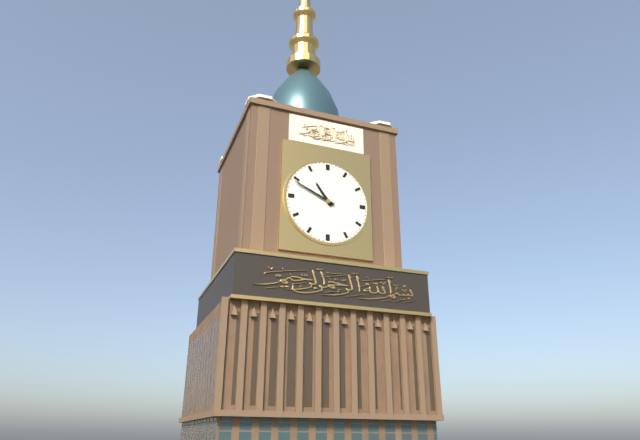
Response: 10:49
